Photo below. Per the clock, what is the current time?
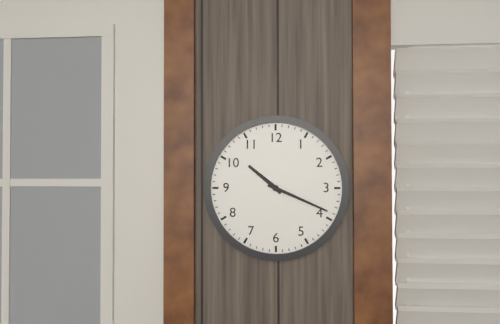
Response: 10:19
